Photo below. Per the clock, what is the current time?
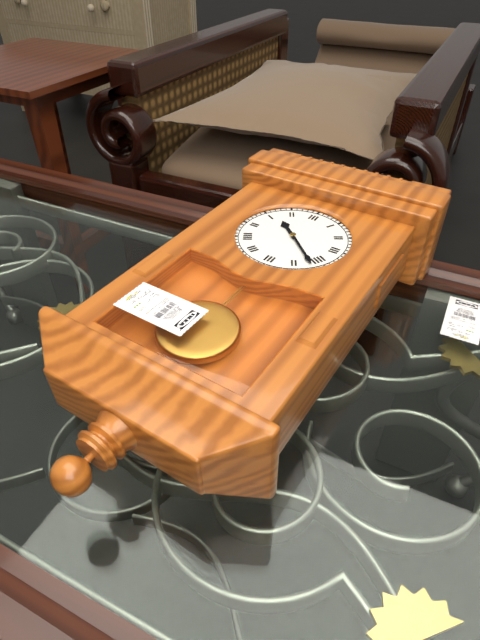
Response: 10:22
